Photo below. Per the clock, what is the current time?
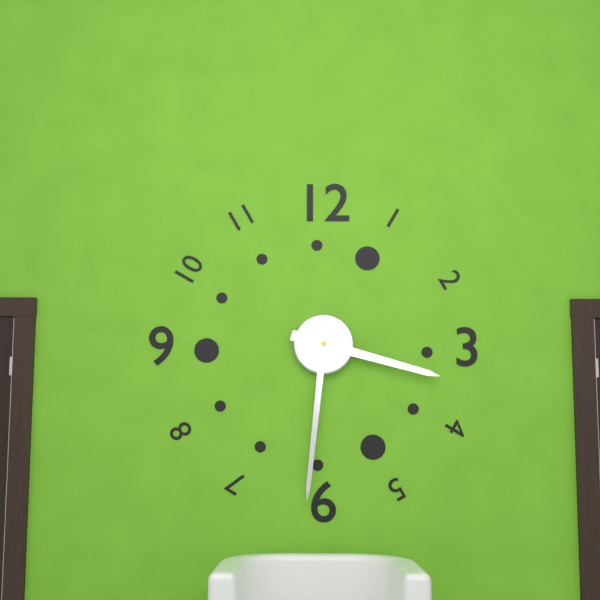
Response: 3:31
